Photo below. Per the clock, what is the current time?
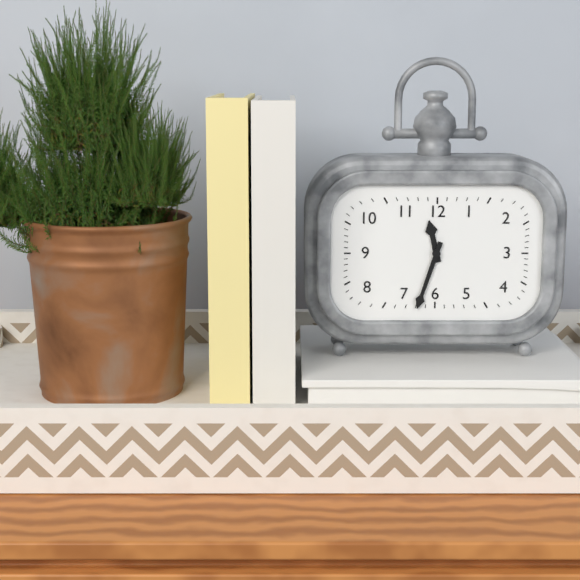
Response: 11:33
